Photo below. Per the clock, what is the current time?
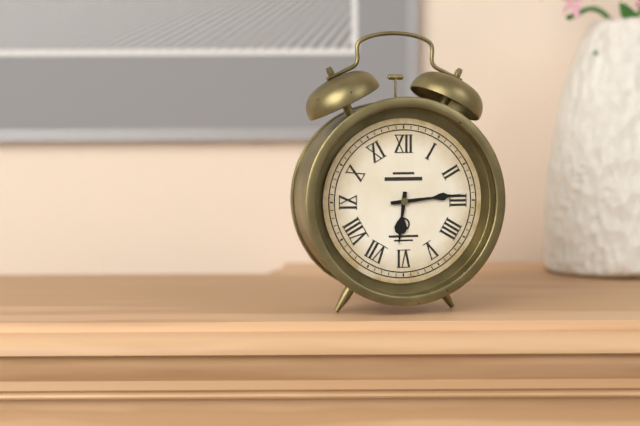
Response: 6:14
